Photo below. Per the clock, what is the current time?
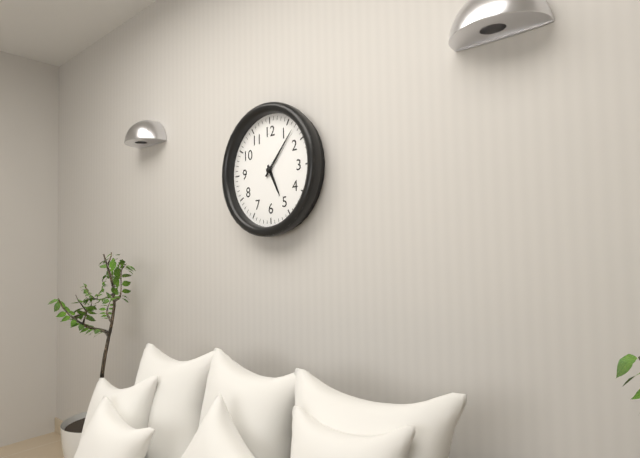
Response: 5:07
